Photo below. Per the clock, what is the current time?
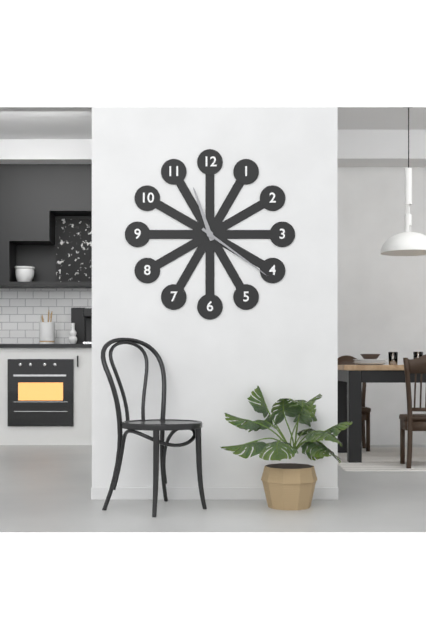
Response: 11:21
